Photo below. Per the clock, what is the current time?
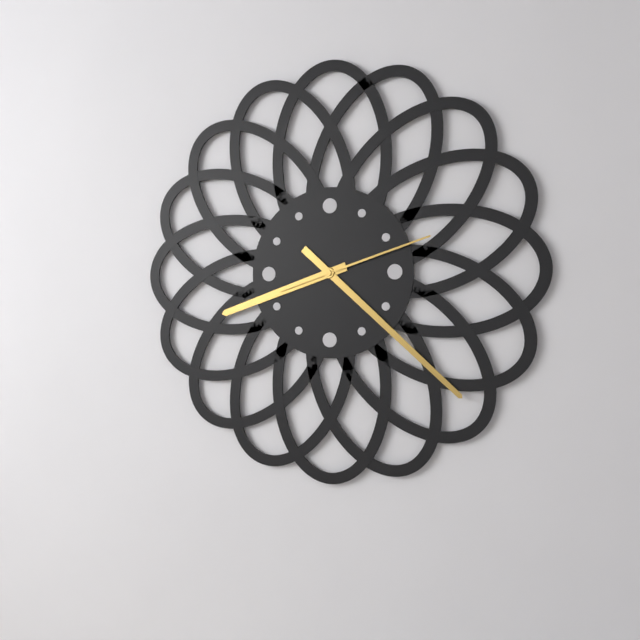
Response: 8:22:12
